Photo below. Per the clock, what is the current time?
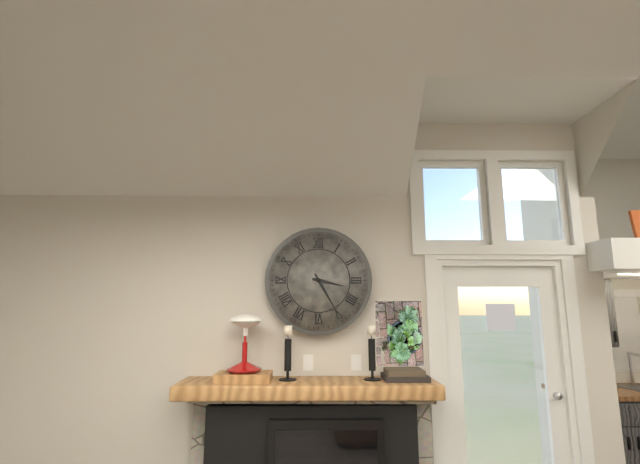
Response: 3:25
